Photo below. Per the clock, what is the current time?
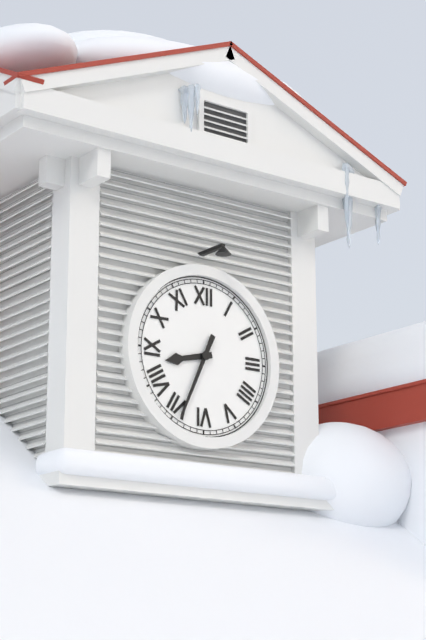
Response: 8:34
